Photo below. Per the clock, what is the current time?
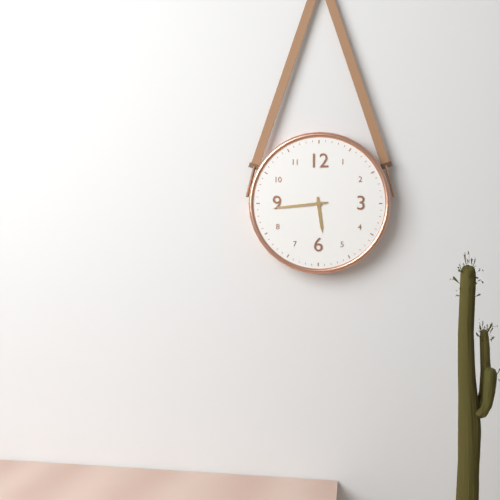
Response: 5:44
